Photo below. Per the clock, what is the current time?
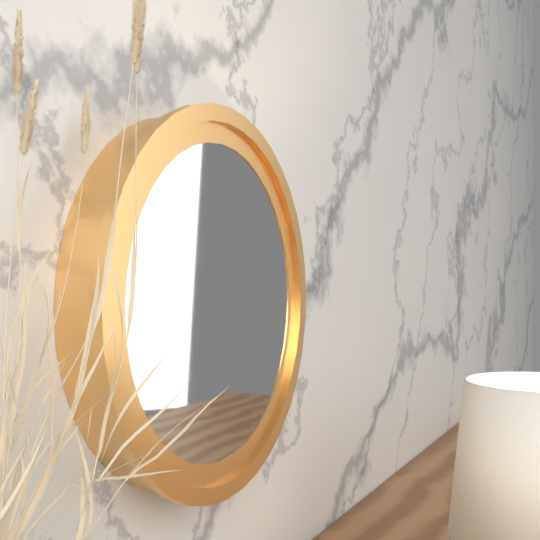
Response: 8:08:04
